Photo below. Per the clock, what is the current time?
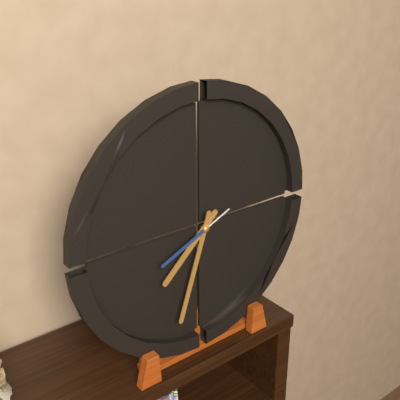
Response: 7:33:41
